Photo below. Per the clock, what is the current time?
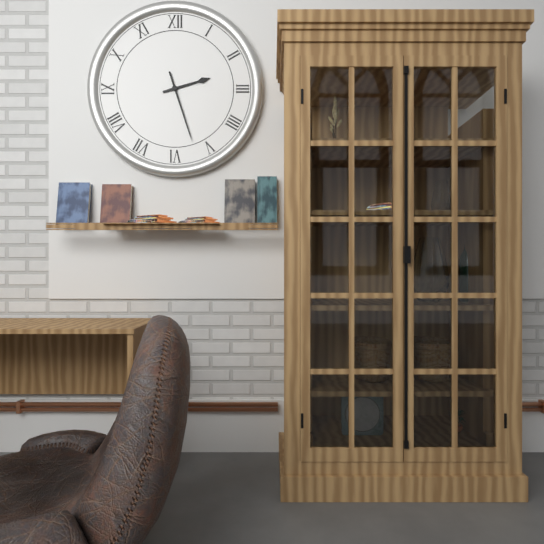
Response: 2:27
